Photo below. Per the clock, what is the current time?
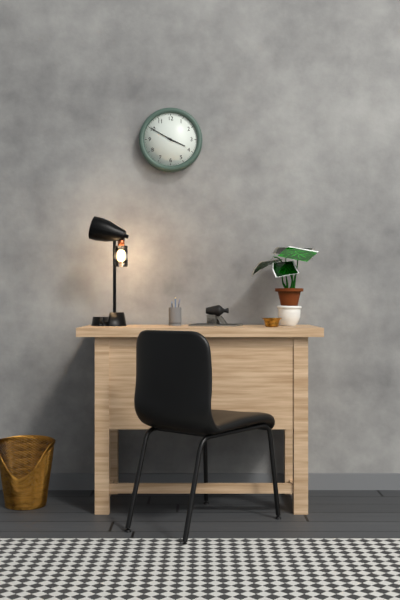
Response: 3:50
